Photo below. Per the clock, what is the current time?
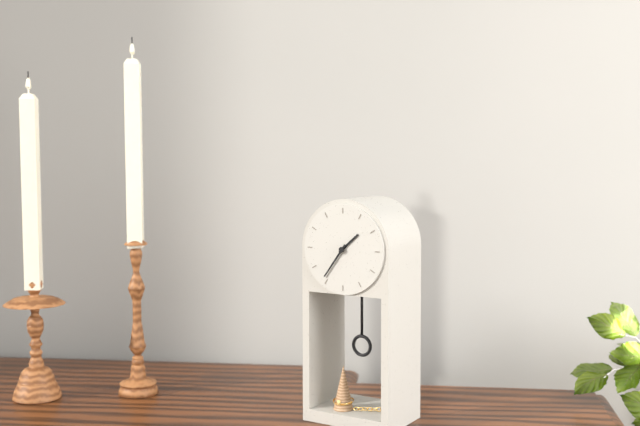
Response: 1:36
